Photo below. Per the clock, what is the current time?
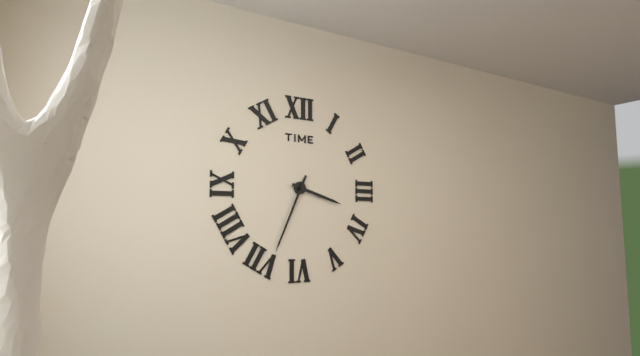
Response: 3:34
